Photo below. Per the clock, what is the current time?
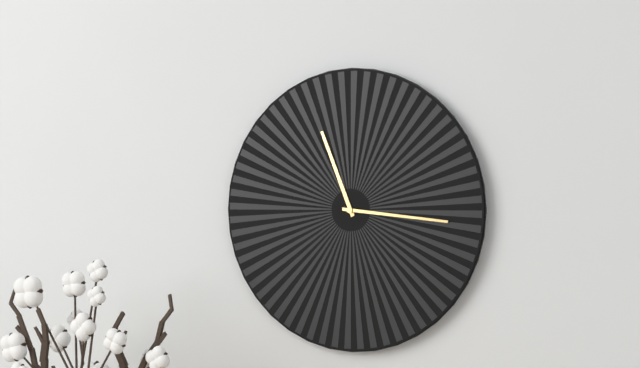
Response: 11:16
